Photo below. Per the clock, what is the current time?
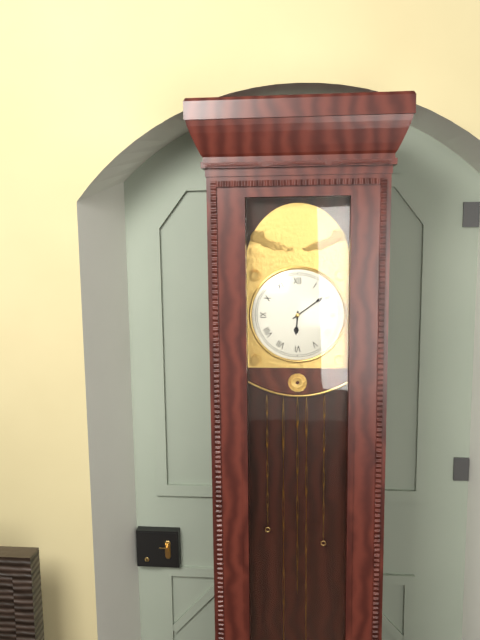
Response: 6:09
